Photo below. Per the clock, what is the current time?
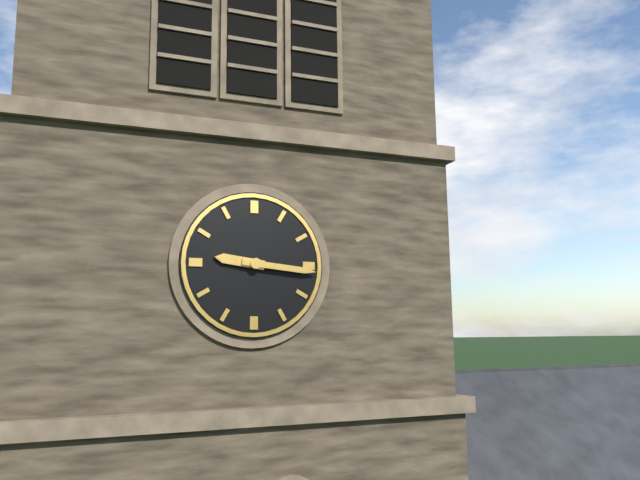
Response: 9:16
